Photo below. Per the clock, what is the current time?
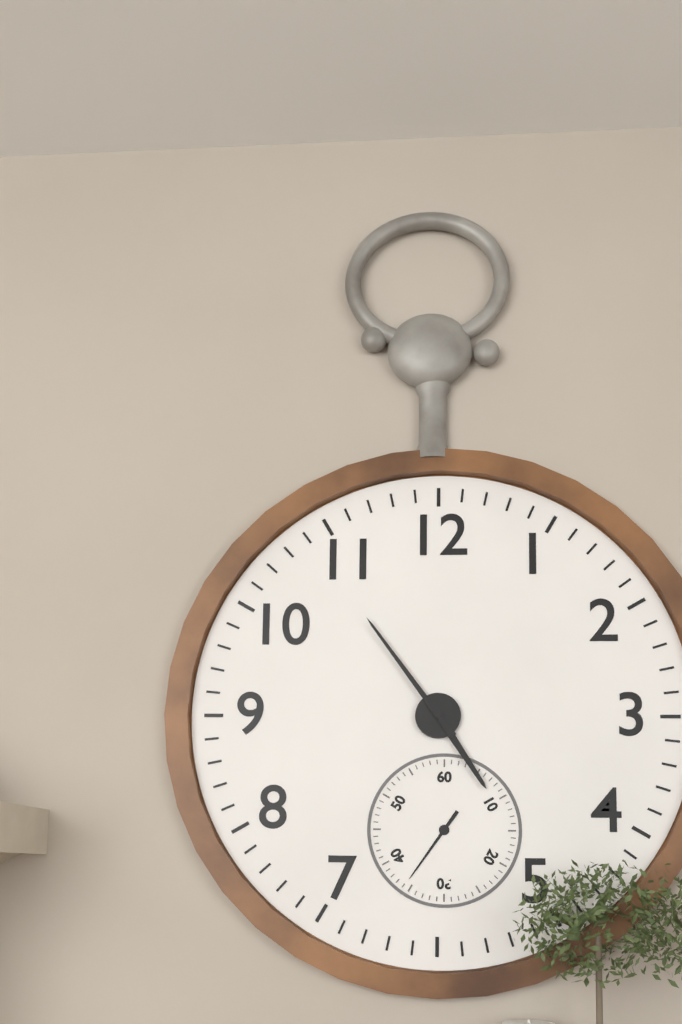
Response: 4:54
